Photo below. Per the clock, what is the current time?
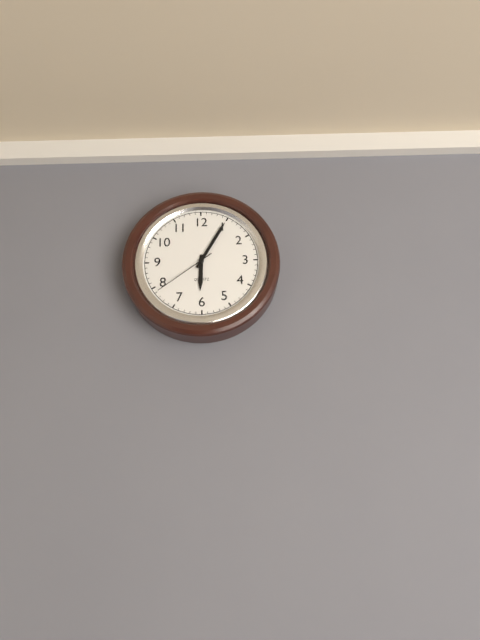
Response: 6:05:39
